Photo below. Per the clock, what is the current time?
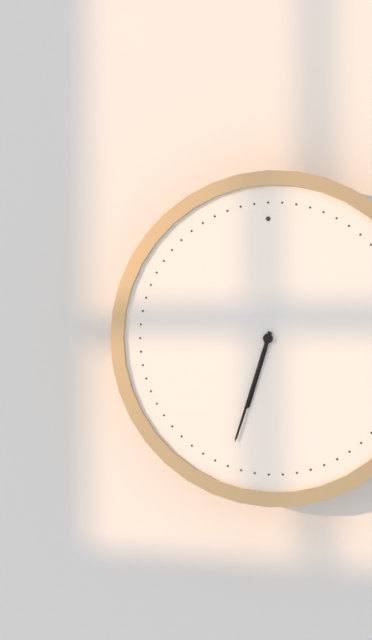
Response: 6:33
